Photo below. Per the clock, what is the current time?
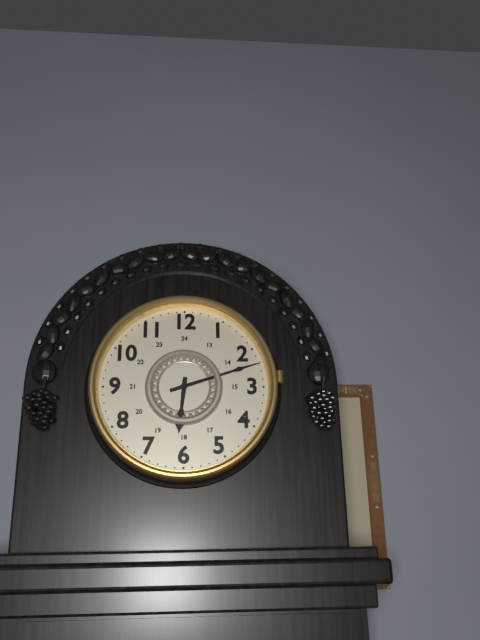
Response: 6:12
